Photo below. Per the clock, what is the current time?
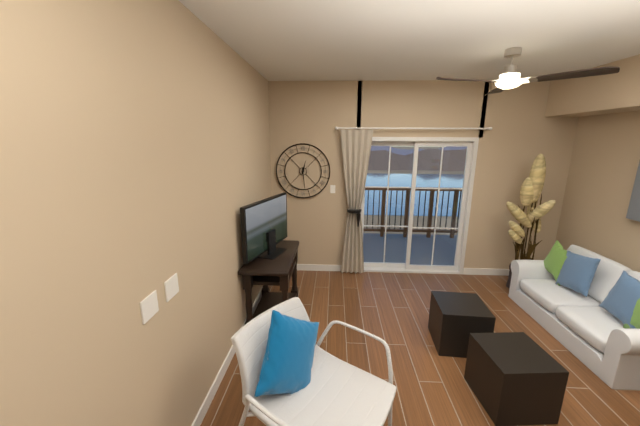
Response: 12:29
